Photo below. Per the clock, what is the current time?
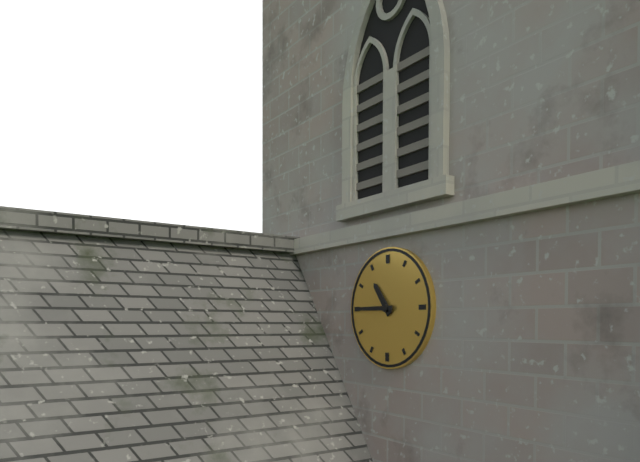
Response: 10:45
